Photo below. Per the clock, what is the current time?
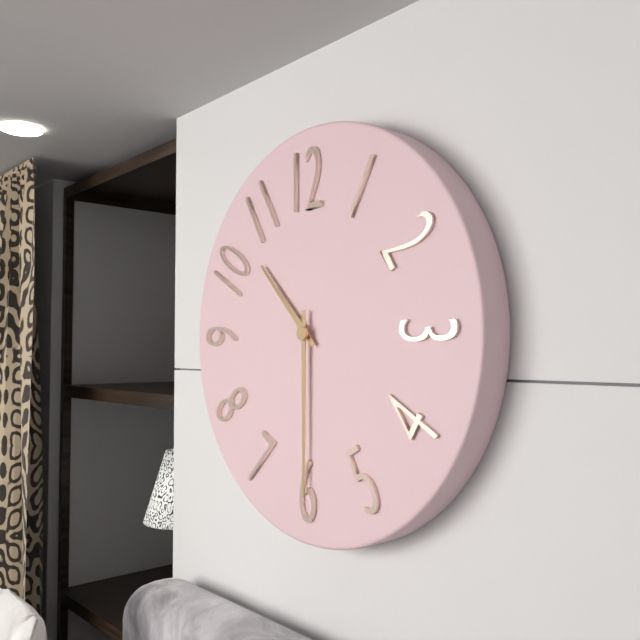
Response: 10:30
